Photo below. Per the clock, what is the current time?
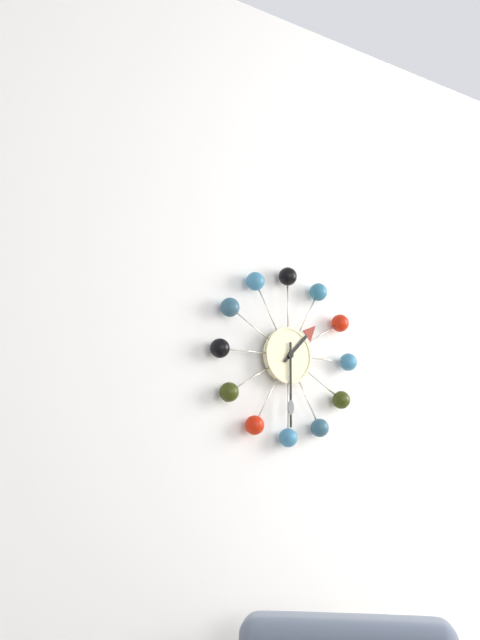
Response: 1:30
